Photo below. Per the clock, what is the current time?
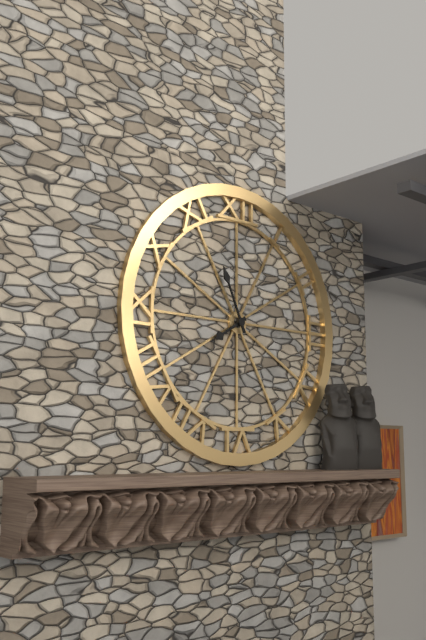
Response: 7:56
